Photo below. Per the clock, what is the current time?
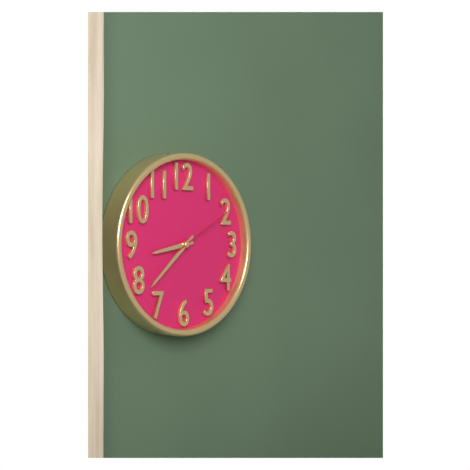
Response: 8:38:10
